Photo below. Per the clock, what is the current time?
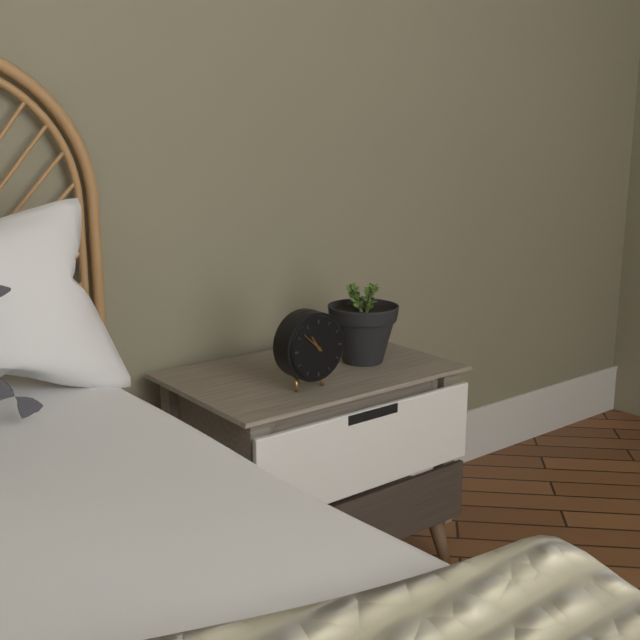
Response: 10:52
